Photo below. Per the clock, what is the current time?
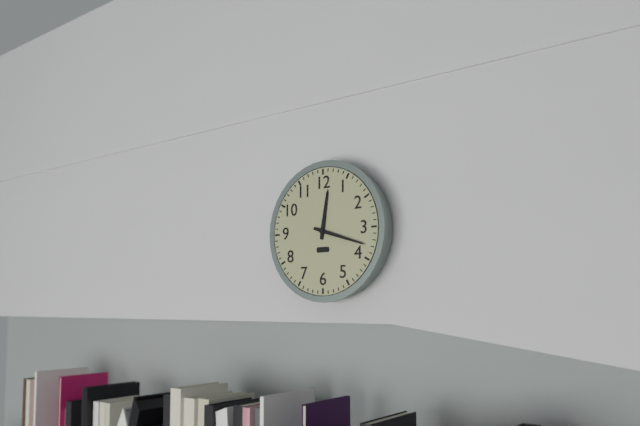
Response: 12:18
